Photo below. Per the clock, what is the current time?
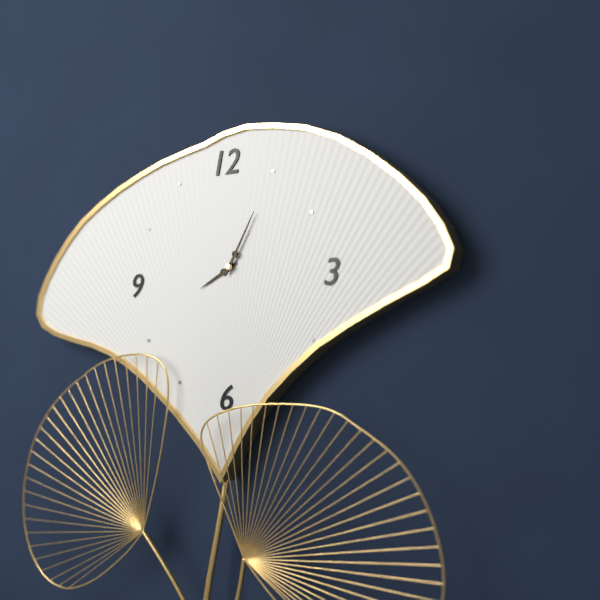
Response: 8:05
